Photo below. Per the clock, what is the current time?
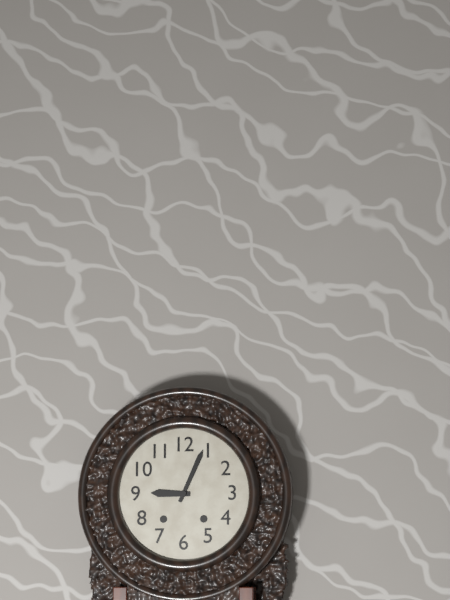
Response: 9:04
